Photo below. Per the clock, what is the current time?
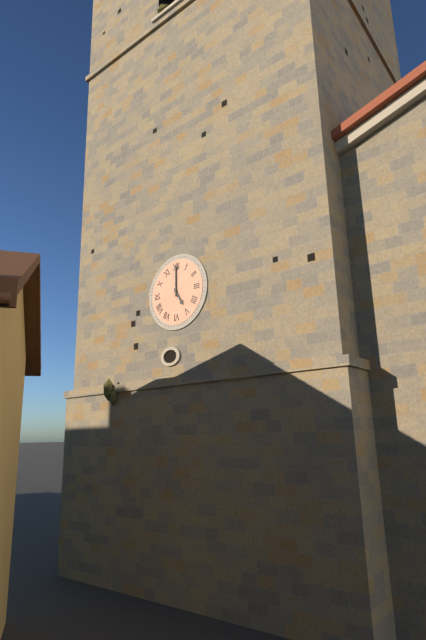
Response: 5:00
